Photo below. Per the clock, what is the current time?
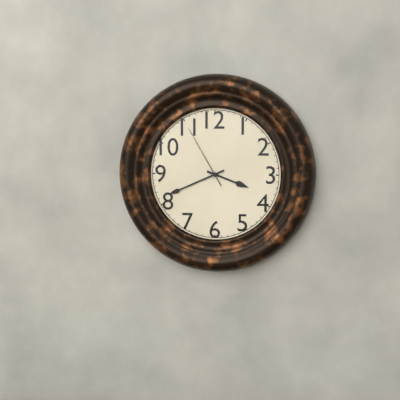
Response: 3:41:55
